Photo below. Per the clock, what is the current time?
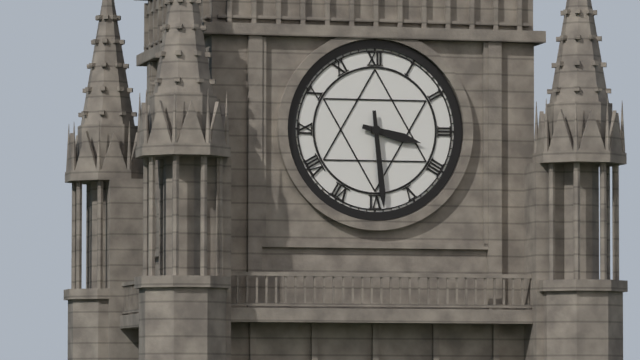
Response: 3:29
